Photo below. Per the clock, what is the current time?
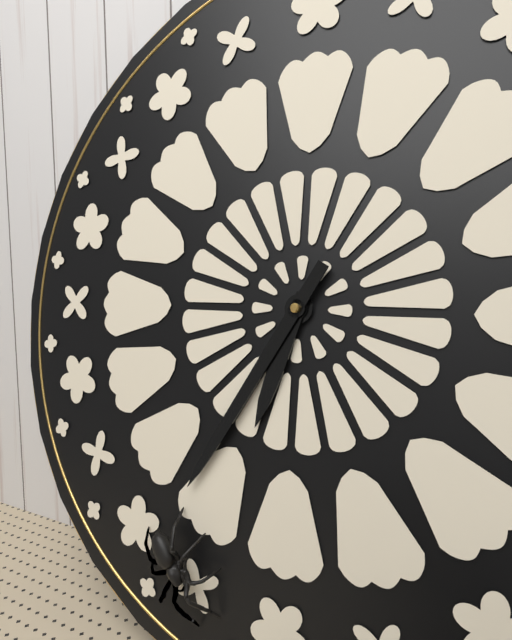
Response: 6:35
